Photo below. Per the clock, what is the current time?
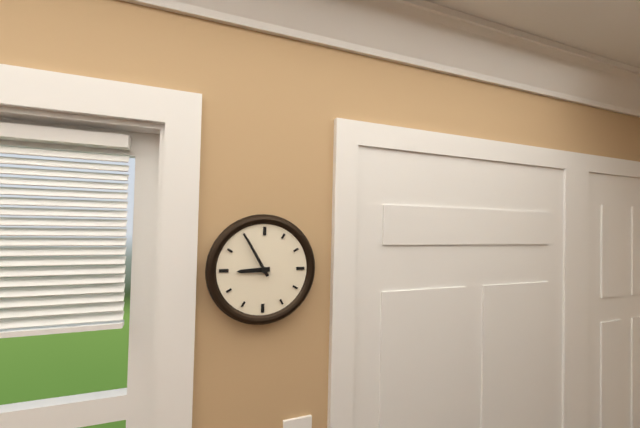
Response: 8:55
